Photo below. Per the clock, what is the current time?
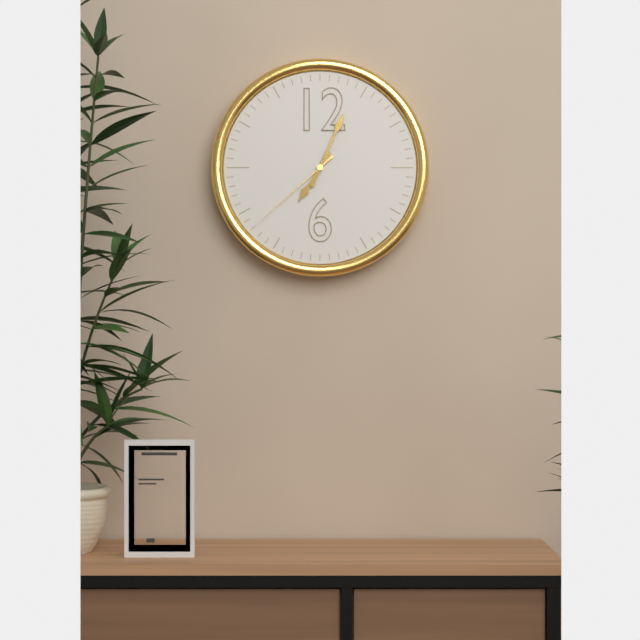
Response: 7:04:38
